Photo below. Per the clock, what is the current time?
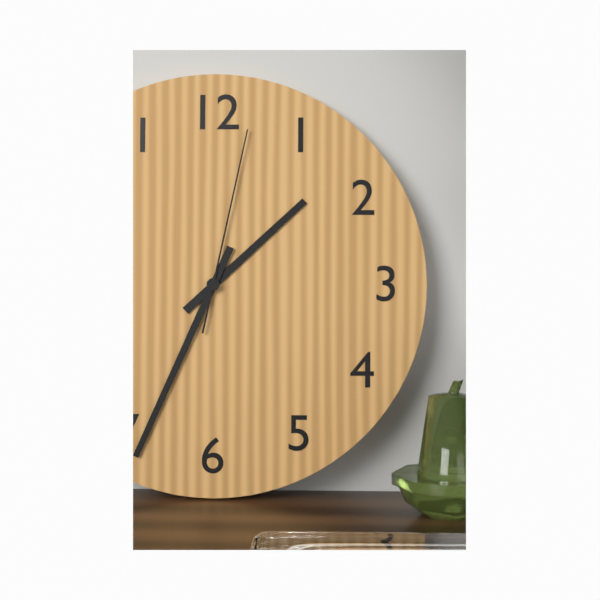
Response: 1:34:02
